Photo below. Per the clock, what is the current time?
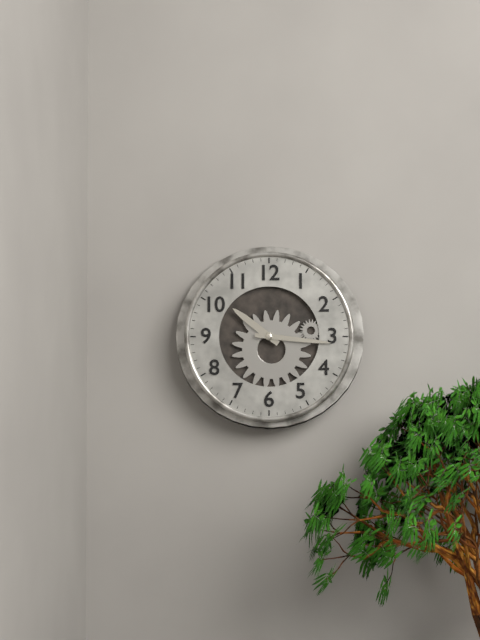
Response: 10:16
